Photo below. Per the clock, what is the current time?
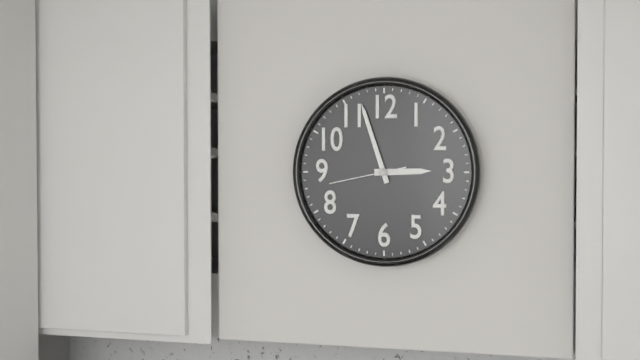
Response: 2:57:43
